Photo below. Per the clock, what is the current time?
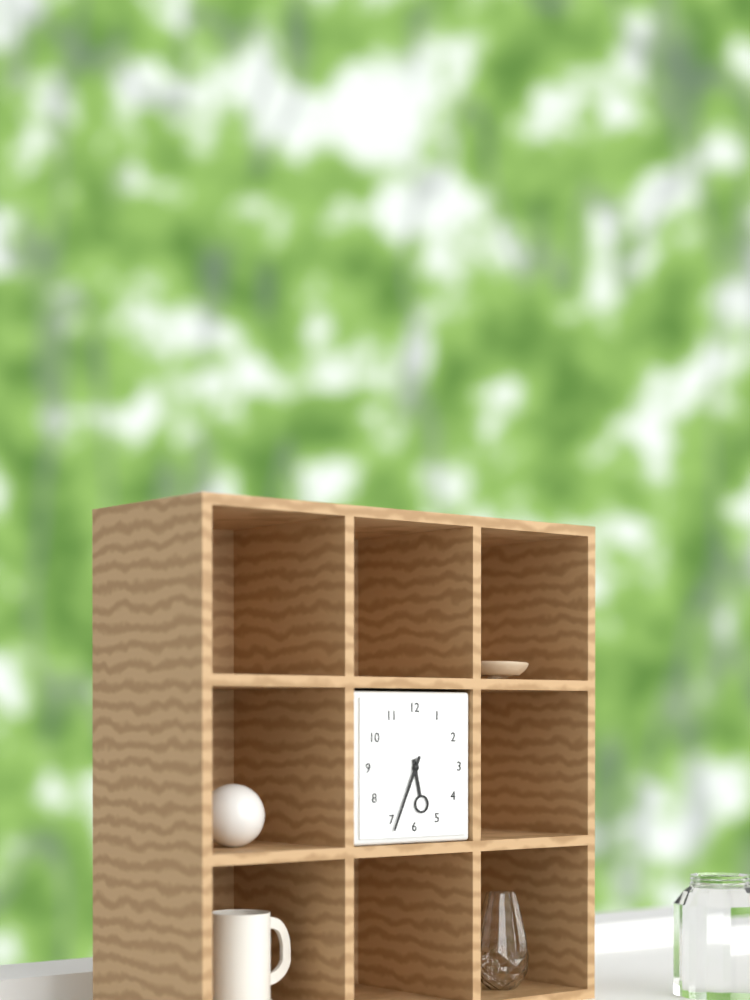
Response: 5:34
